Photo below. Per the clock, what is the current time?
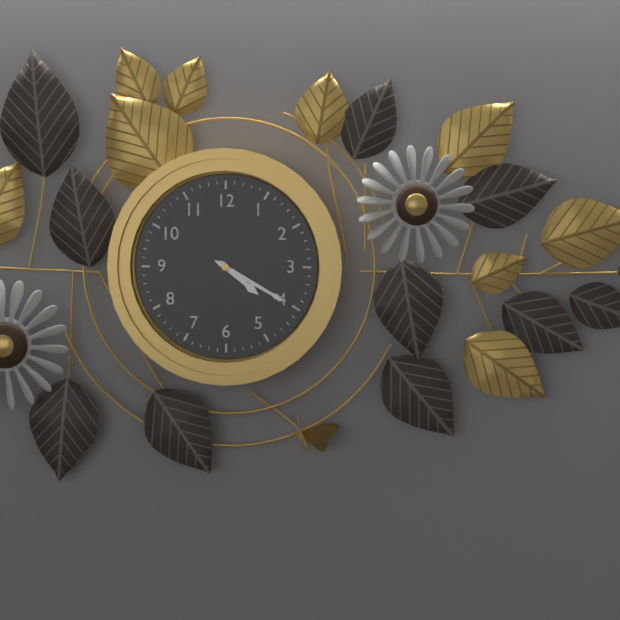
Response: 4:20
